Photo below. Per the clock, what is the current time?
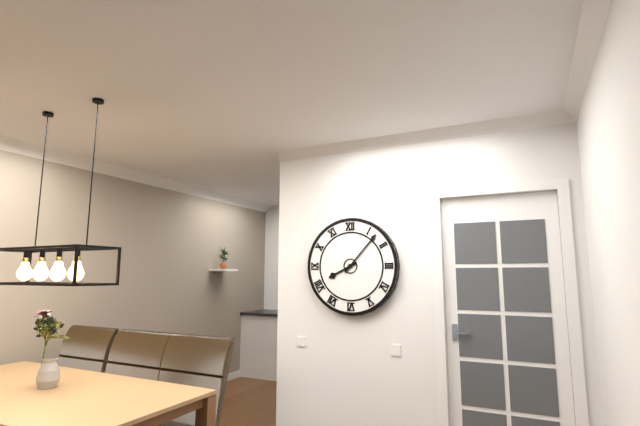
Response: 8:07
